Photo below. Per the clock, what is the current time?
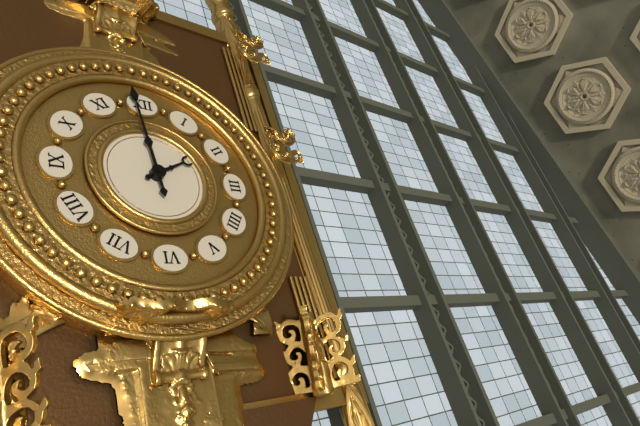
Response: 1:59
